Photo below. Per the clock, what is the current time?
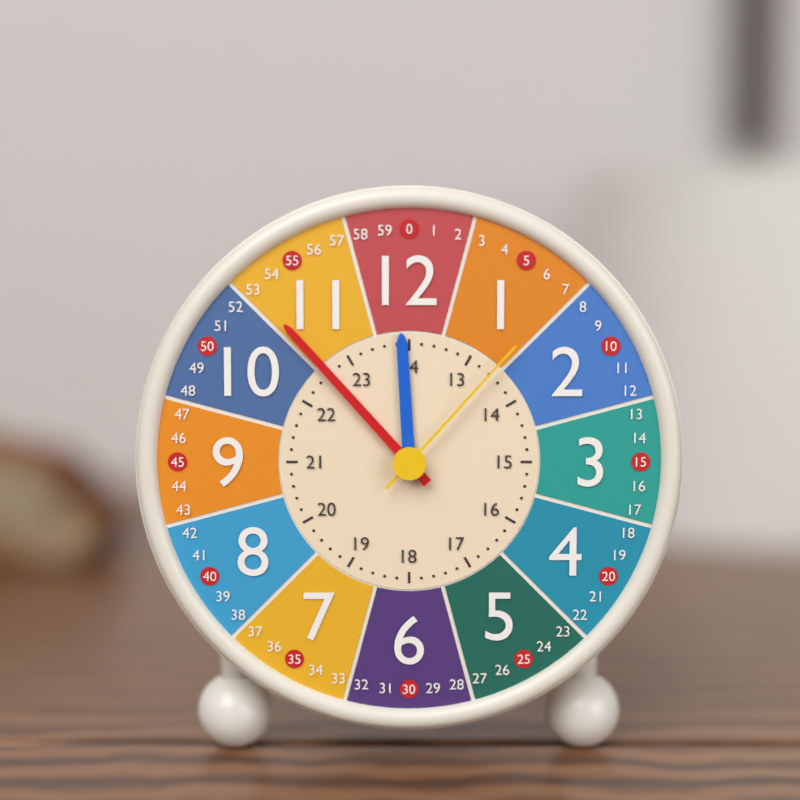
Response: 11:53:07
